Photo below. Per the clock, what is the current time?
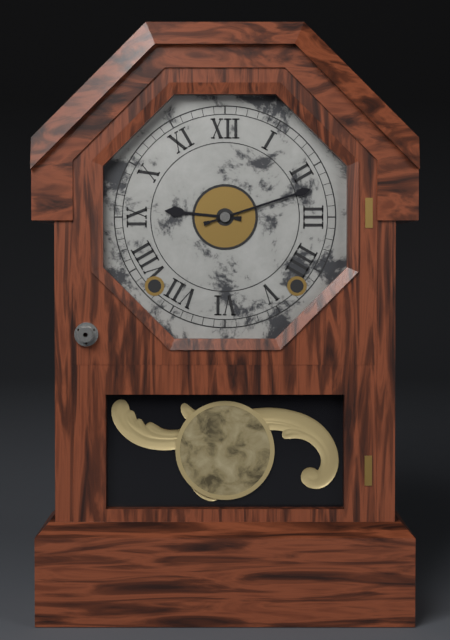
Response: 9:12
